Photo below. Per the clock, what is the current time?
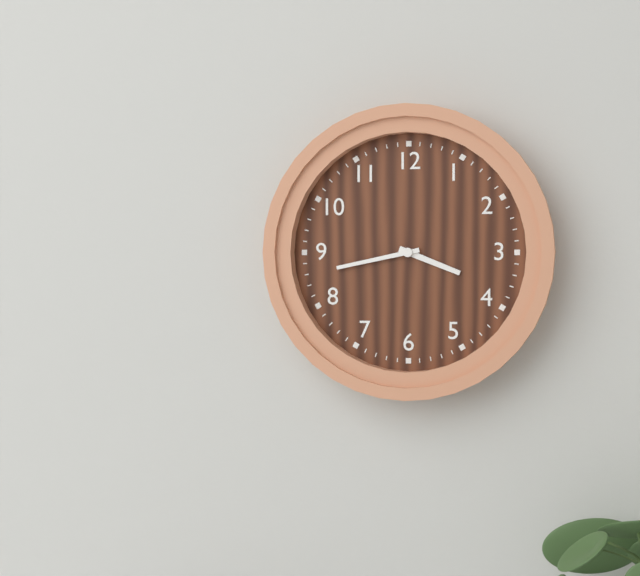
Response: 3:43
